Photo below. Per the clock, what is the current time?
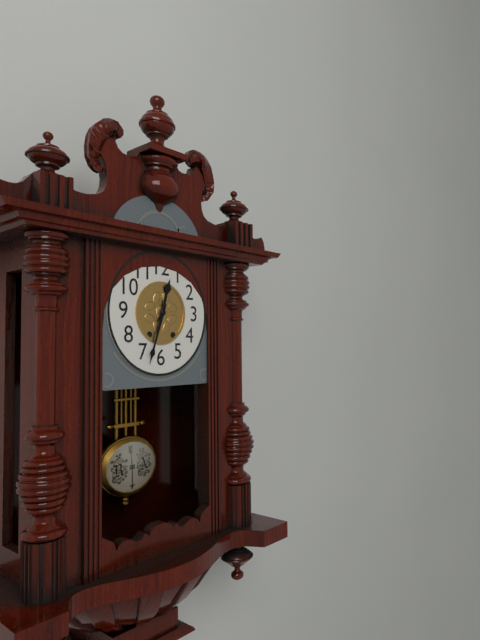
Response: 12:33
